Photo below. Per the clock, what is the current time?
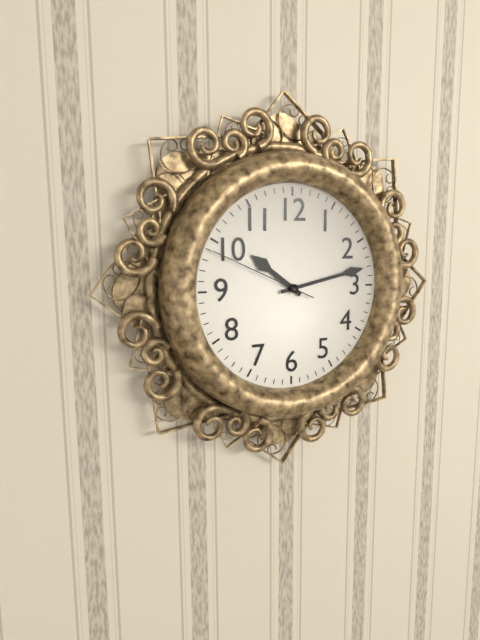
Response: 10:13:49
